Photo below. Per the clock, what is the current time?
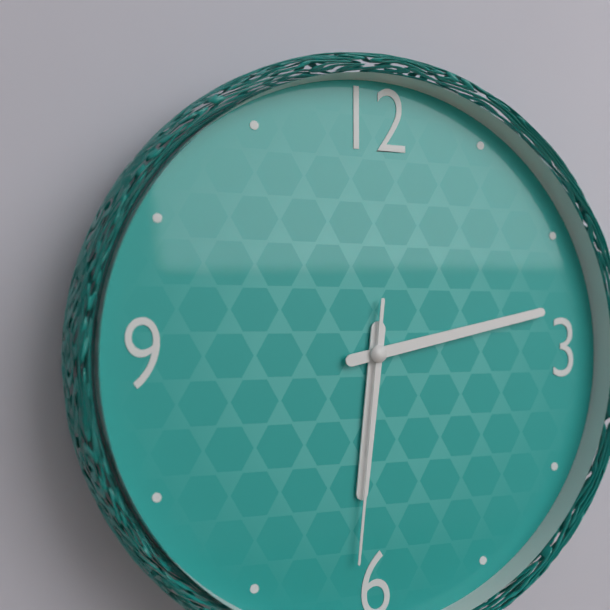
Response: 6:13:31
